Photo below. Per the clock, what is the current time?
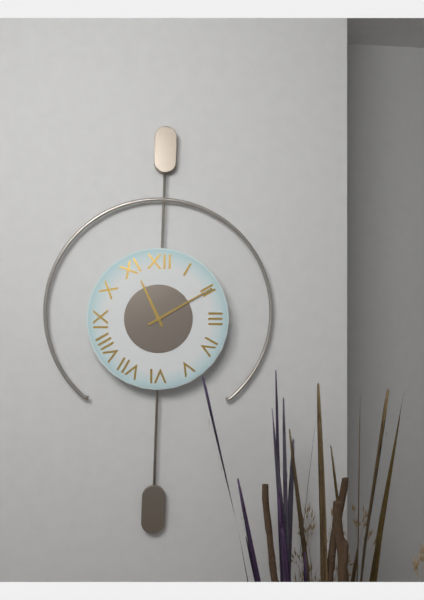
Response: 11:10
